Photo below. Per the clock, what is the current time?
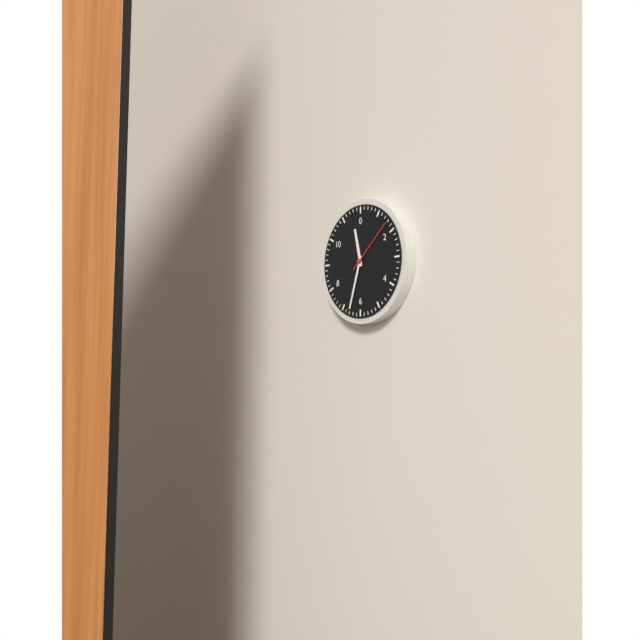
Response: 11:33:08
